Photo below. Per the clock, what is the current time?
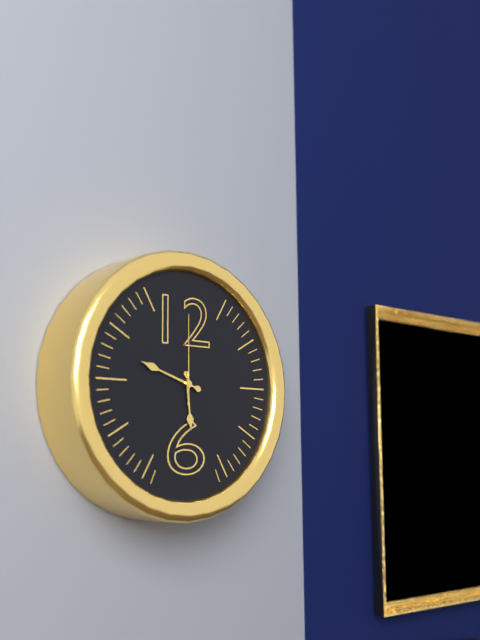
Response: 5:48:00
